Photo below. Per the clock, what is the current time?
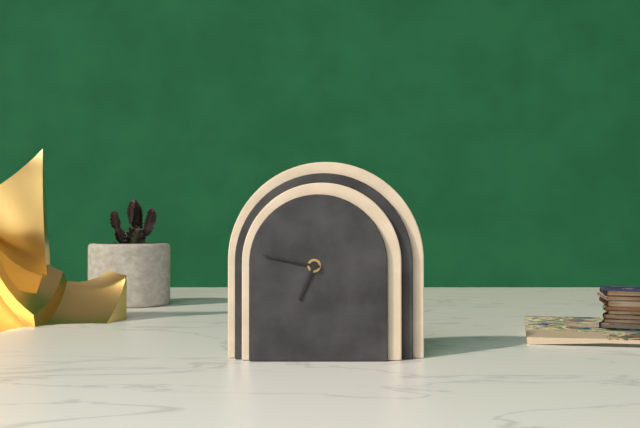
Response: 6:47
